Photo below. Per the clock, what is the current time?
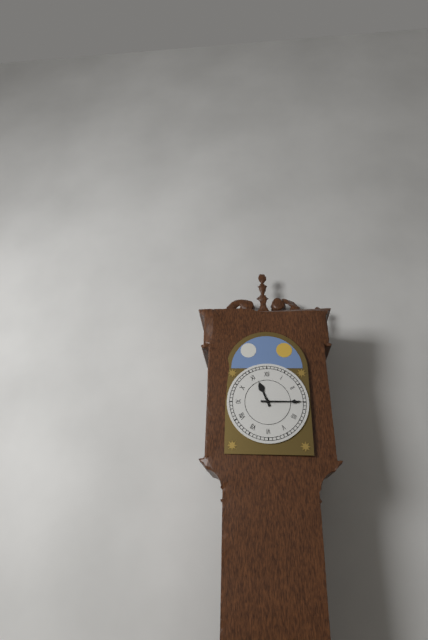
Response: 11:15
